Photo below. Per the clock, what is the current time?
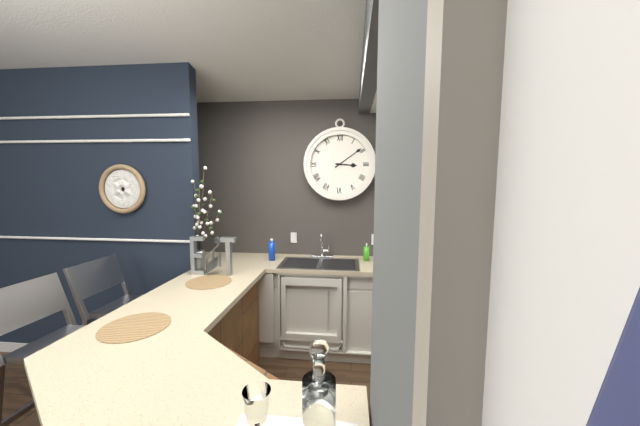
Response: 3:09
